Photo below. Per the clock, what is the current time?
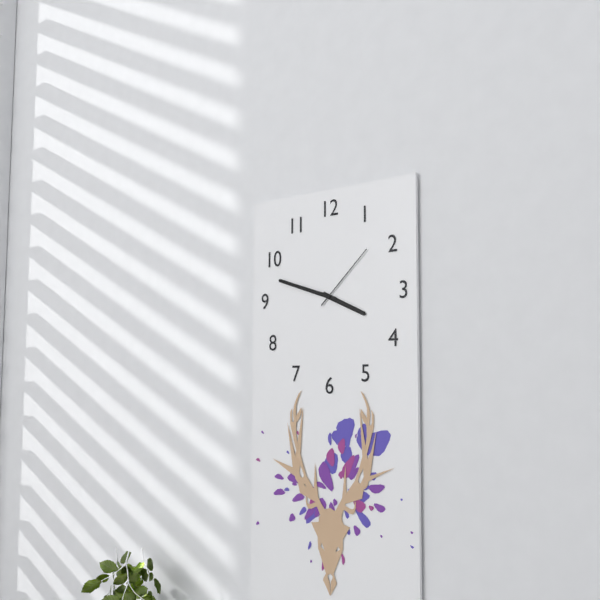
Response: 3:48:08
